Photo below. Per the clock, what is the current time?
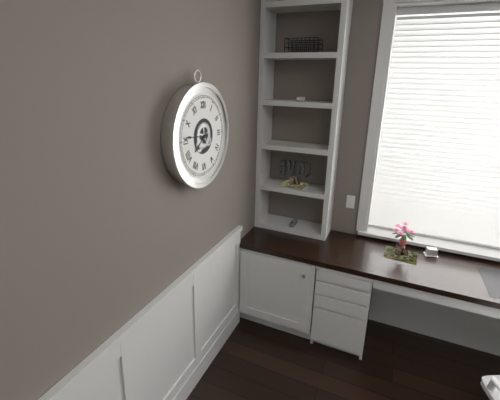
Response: 7:46
